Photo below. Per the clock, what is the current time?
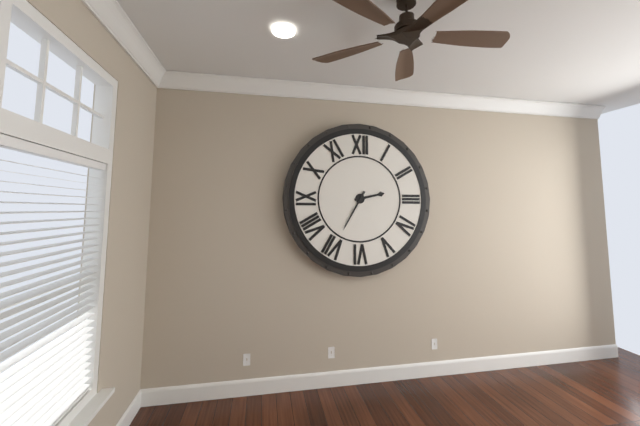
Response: 2:35
